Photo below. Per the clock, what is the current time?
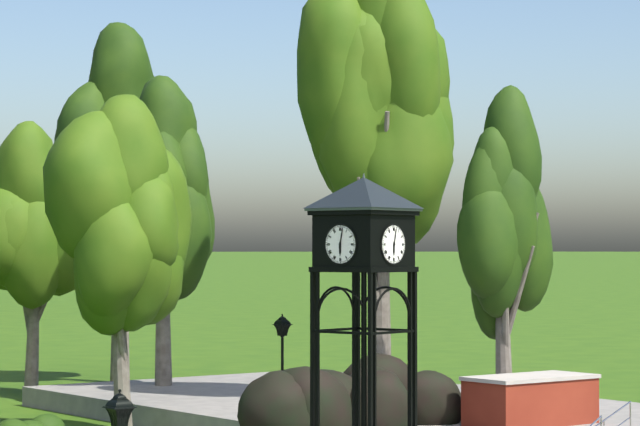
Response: 6:02
